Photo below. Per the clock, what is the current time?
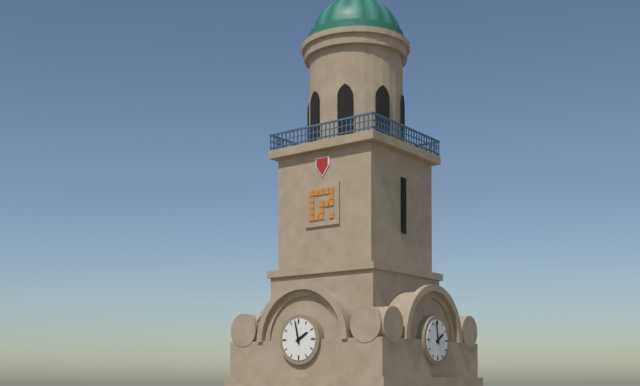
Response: 1:58
